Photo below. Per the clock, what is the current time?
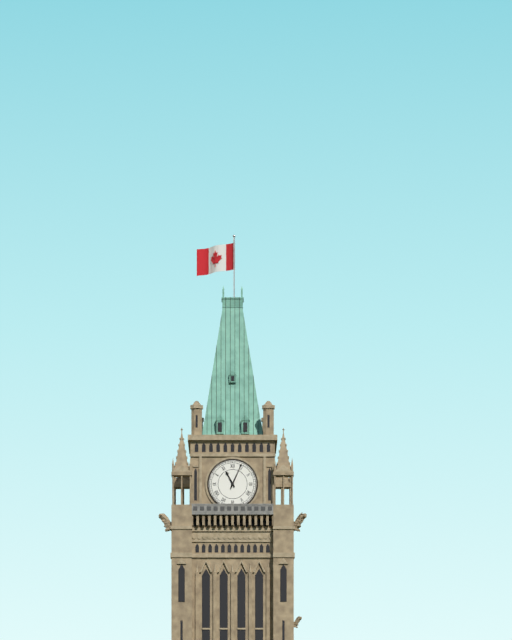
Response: 11:04
